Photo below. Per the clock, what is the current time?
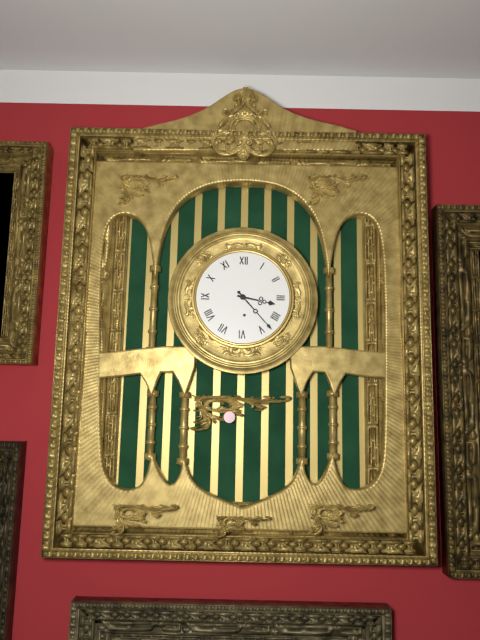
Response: 3:23
